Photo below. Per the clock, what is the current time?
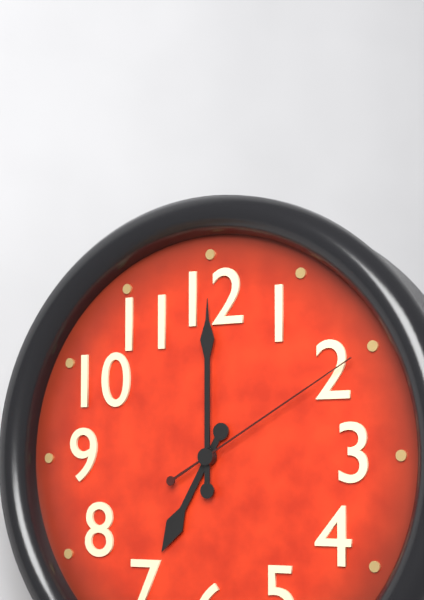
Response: 7:00:10
